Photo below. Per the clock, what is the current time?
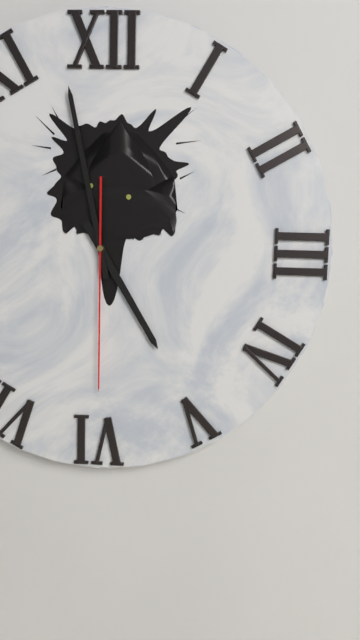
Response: 4:58:30
